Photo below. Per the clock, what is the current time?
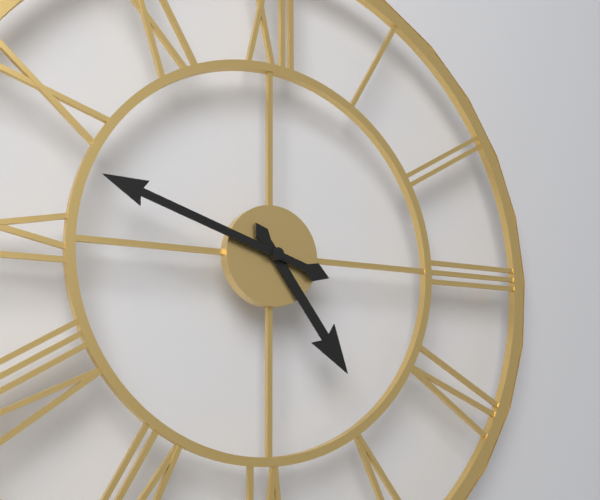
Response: 4:48
